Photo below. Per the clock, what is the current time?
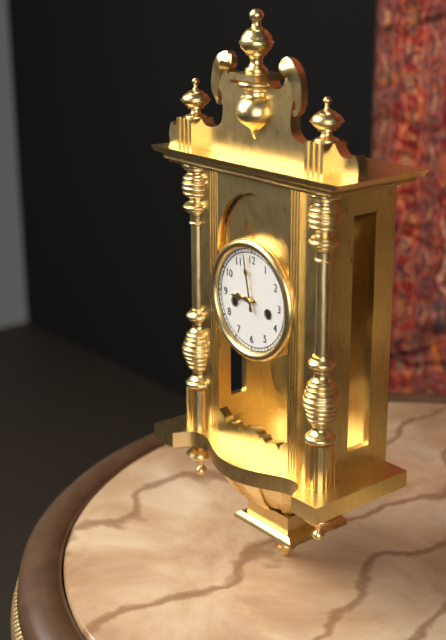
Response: 8:58
